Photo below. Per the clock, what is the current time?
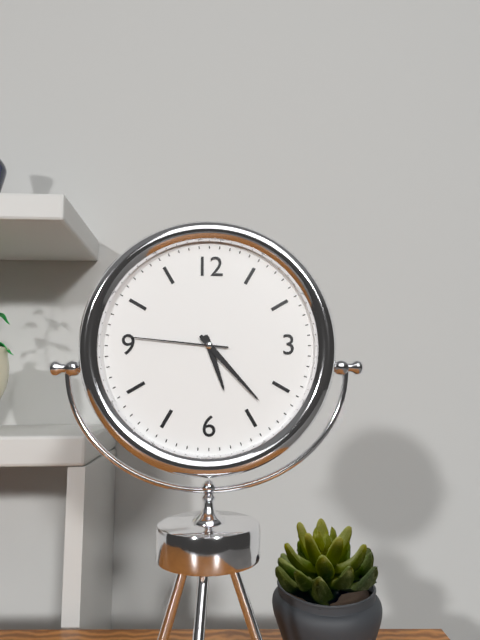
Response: 5:23:46
